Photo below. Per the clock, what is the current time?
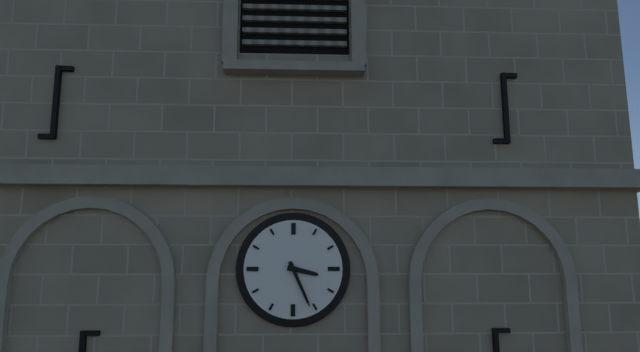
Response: 3:26
